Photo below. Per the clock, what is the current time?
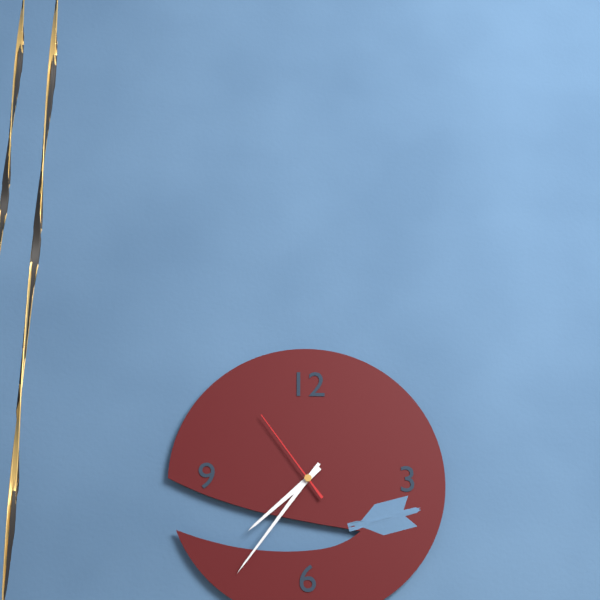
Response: 7:36:54
